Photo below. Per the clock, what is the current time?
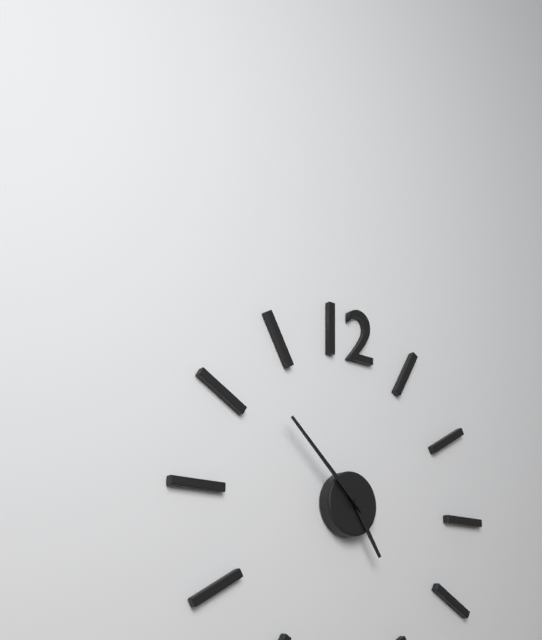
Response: 4:52
